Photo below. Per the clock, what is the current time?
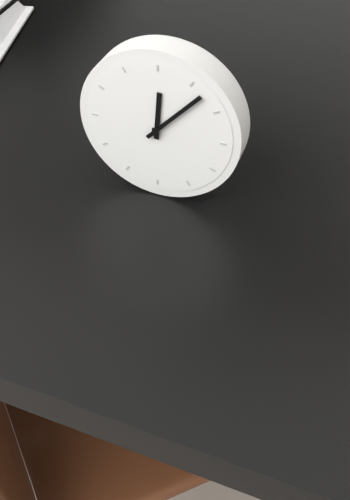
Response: 12:07
